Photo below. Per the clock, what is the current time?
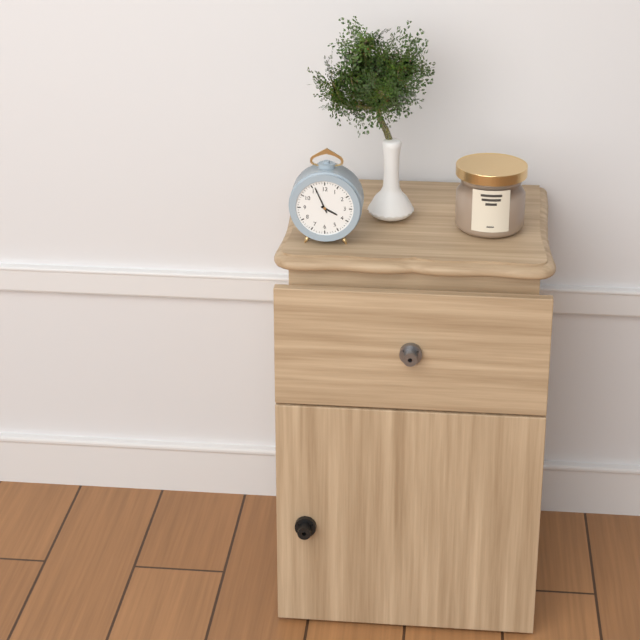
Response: 3:56
